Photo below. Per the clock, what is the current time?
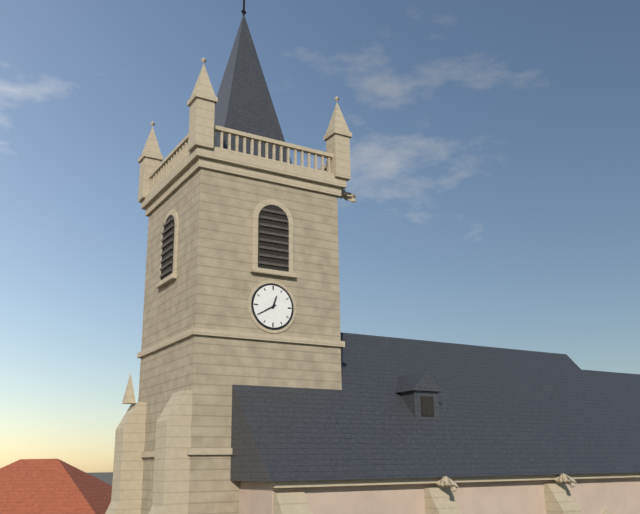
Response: 12:40
